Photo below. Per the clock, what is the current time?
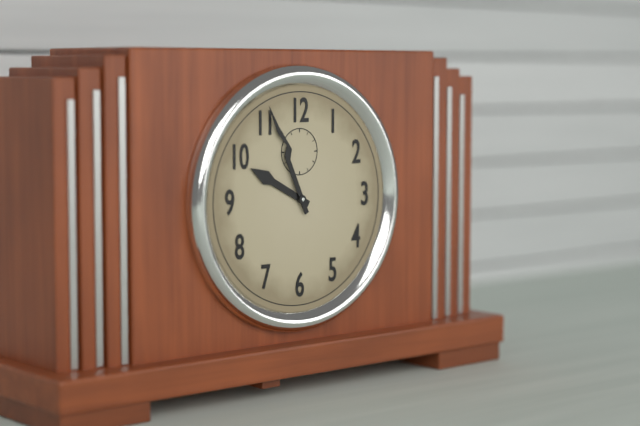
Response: 9:56
